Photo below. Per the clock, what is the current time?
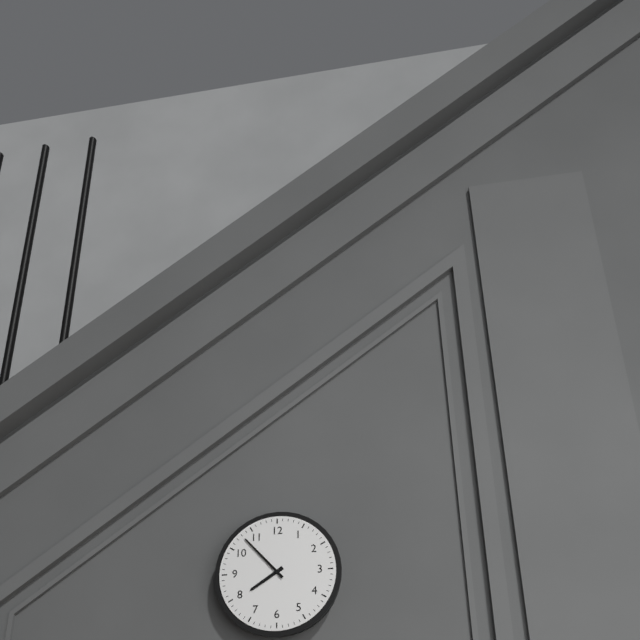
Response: 7:53
